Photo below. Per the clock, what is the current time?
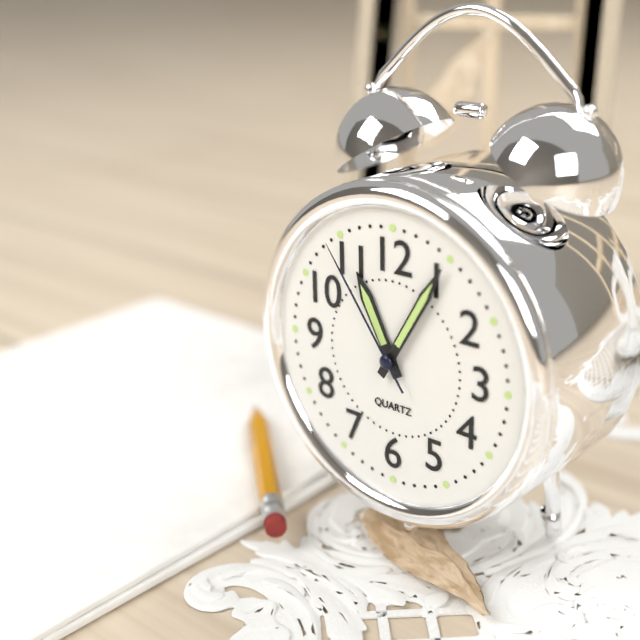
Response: 11:05:54
